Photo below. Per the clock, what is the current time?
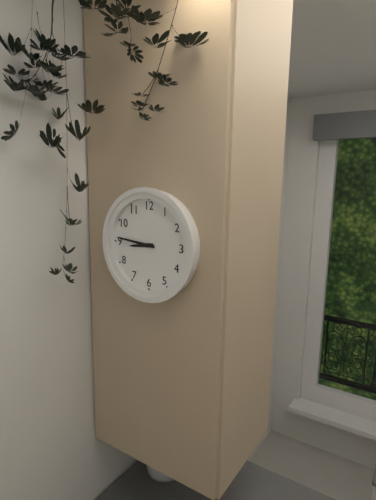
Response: 8:46
